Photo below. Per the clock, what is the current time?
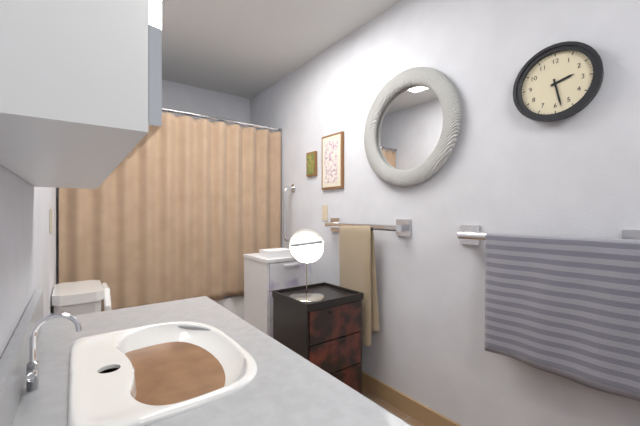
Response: 2:28
